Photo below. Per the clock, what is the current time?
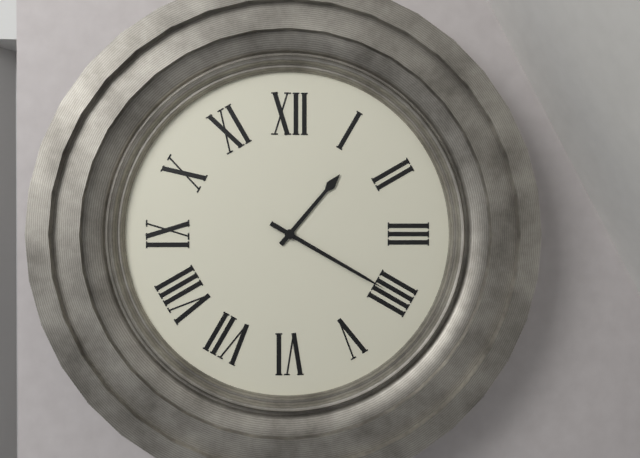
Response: 1:20
